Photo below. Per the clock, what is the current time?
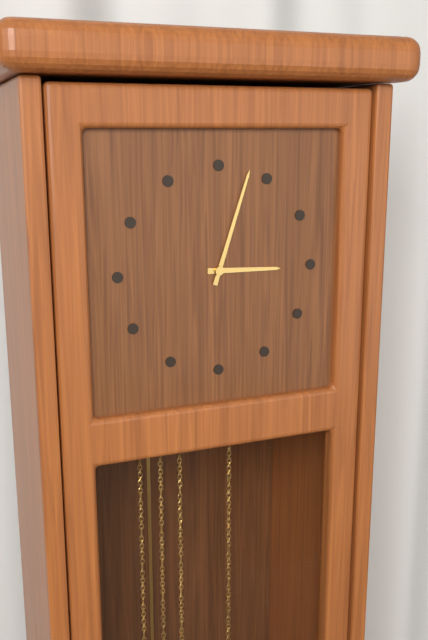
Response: 3:03
